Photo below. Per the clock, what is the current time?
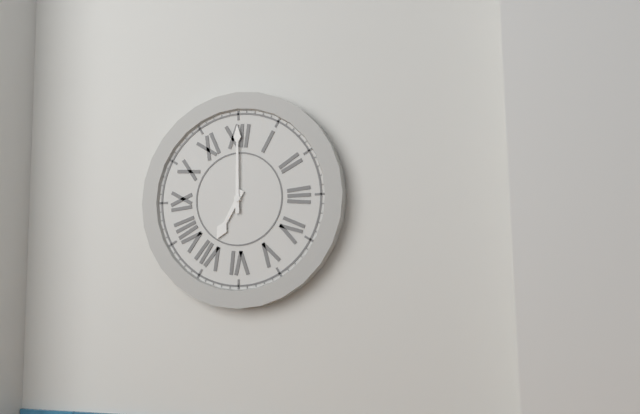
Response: 7:00
